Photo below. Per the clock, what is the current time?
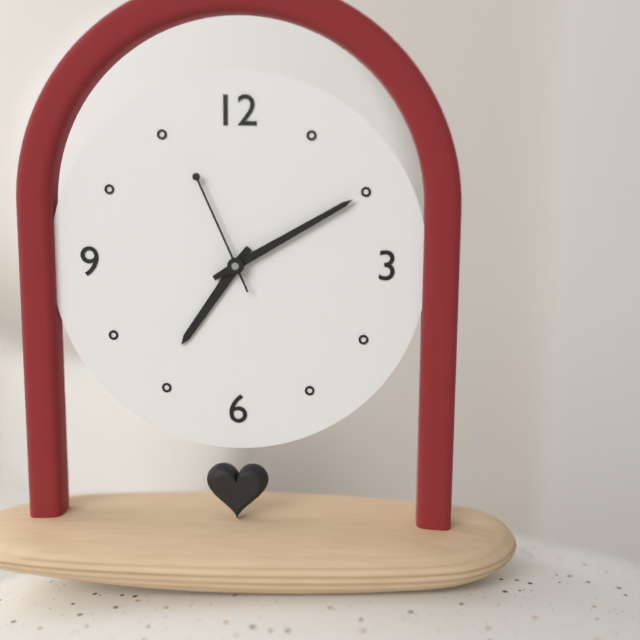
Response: 7:10:56
